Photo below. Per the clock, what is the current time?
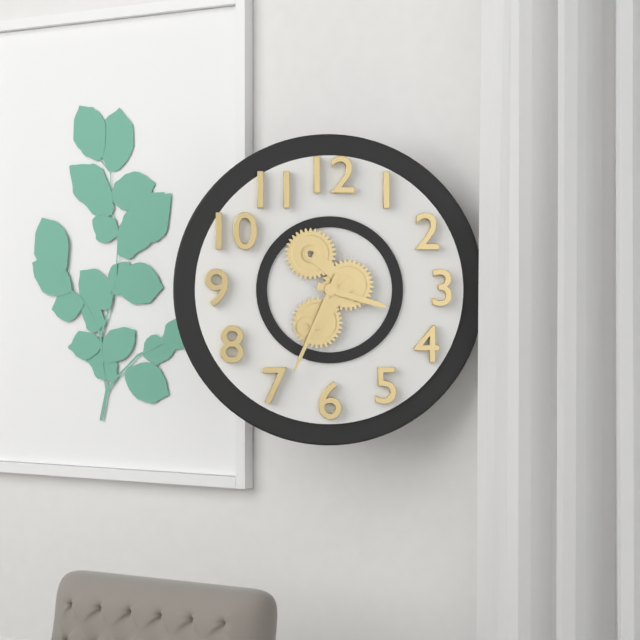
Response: 3:34
